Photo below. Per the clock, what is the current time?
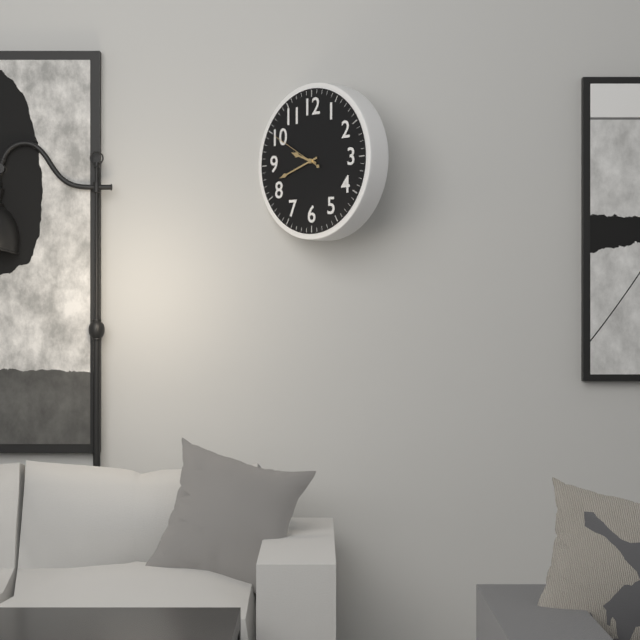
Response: 9:42:50
